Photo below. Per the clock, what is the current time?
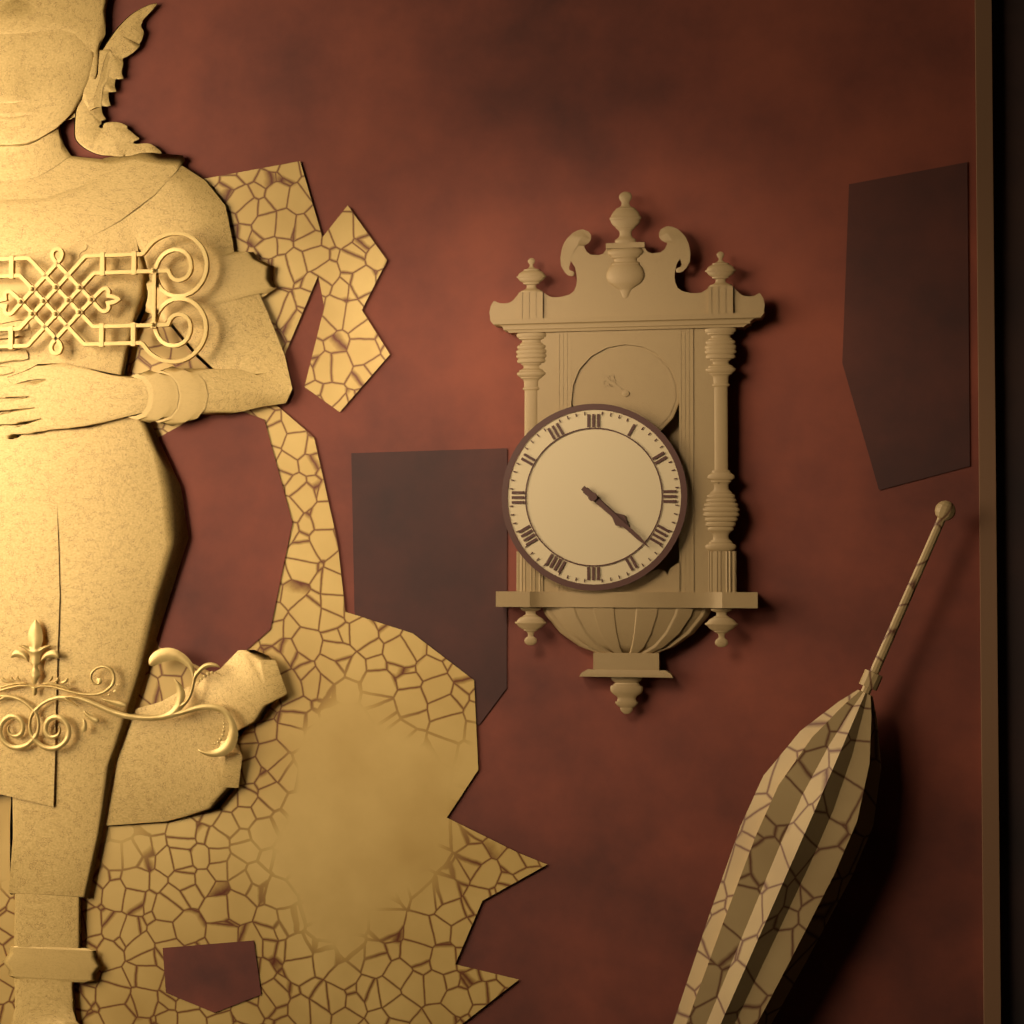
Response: 4:22
